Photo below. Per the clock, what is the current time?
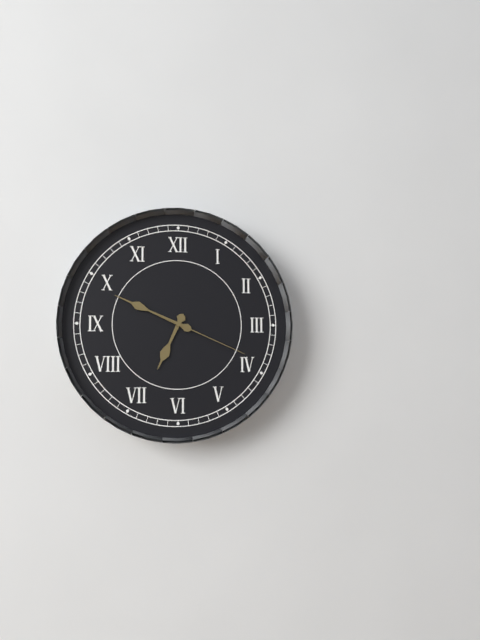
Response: 6:49:19
